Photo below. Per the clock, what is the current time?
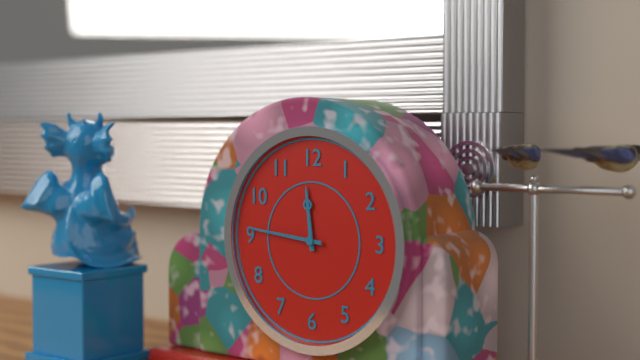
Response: 11:46
